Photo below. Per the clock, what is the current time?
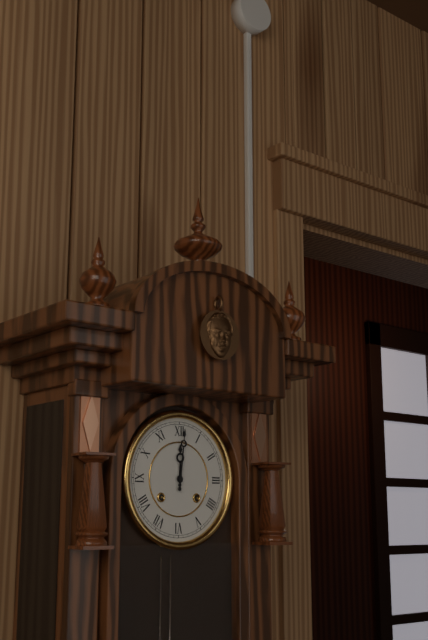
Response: 12:01
